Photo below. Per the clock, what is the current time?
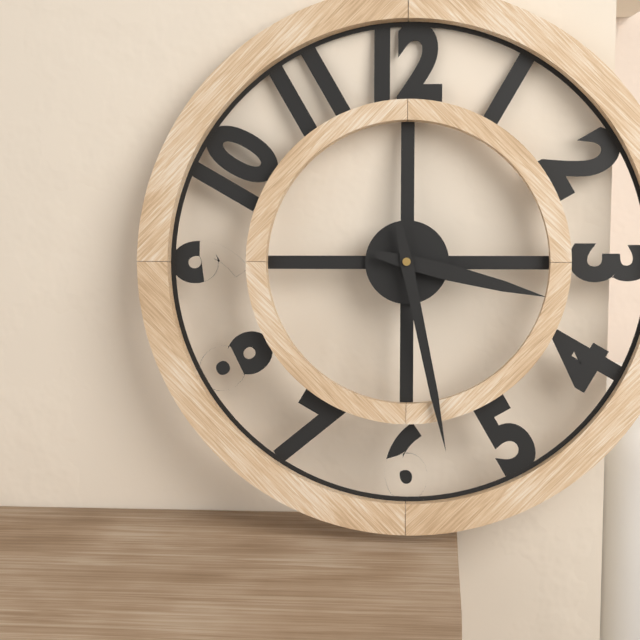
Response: 3:28
